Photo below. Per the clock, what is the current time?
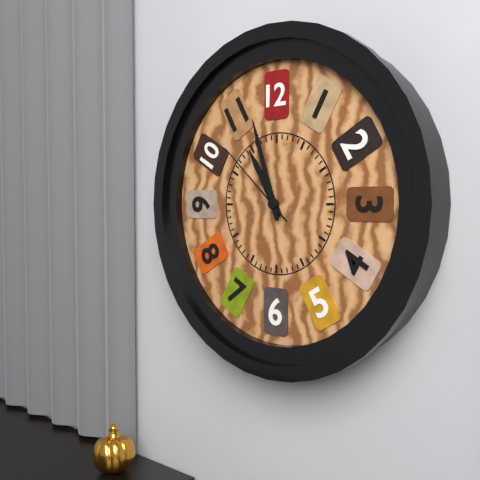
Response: 10:57:52
